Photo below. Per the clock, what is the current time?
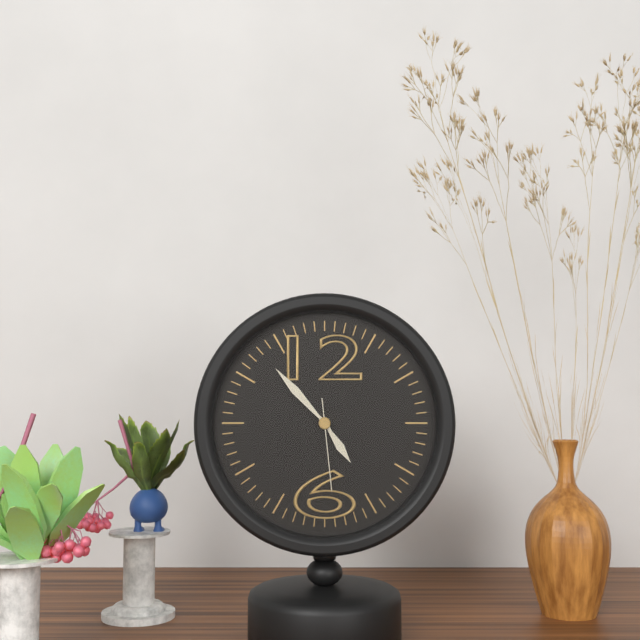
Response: 4:53:29
